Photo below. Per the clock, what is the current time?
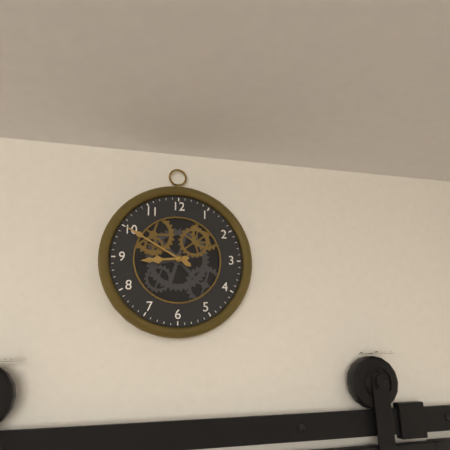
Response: 8:50
